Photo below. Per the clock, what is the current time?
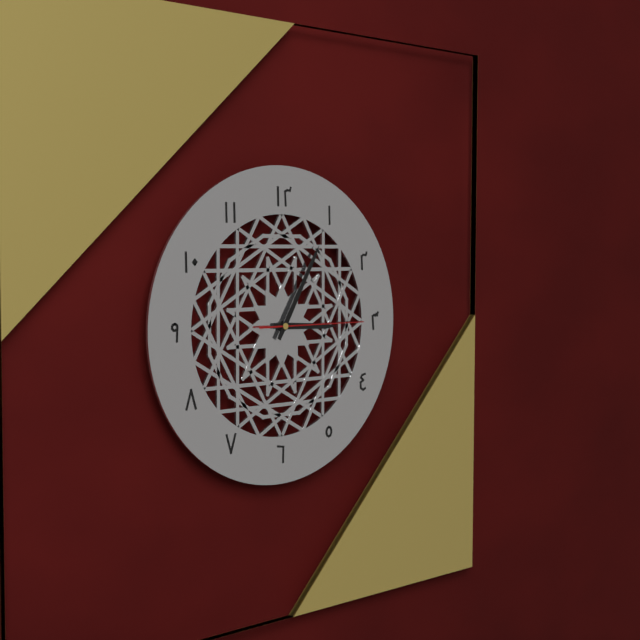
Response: 3:05:15
